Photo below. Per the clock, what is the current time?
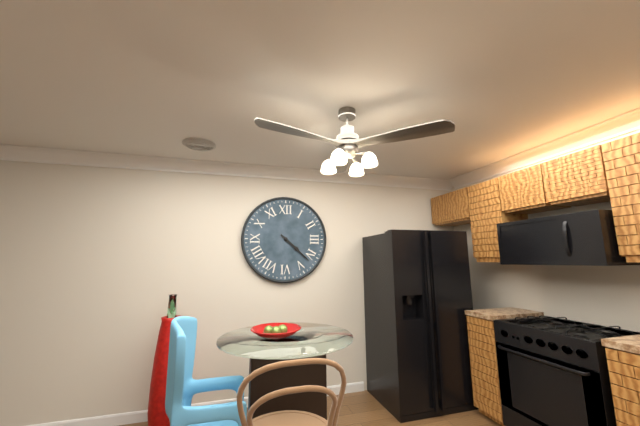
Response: 4:22
